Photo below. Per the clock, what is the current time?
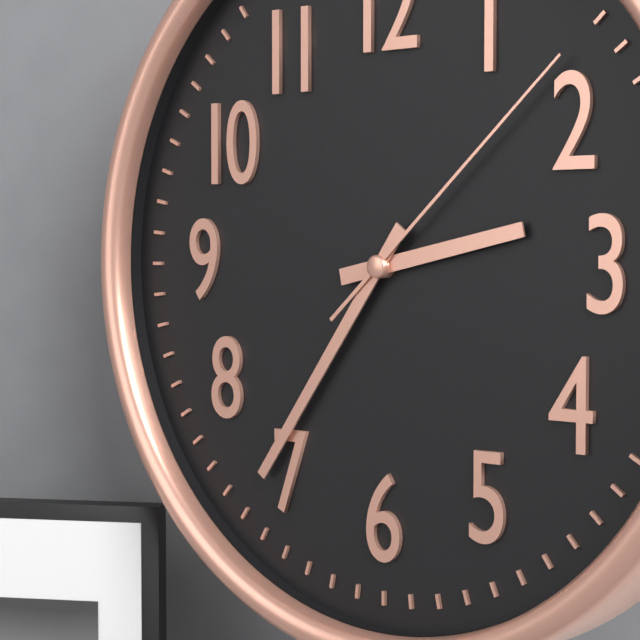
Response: 2:36:08
